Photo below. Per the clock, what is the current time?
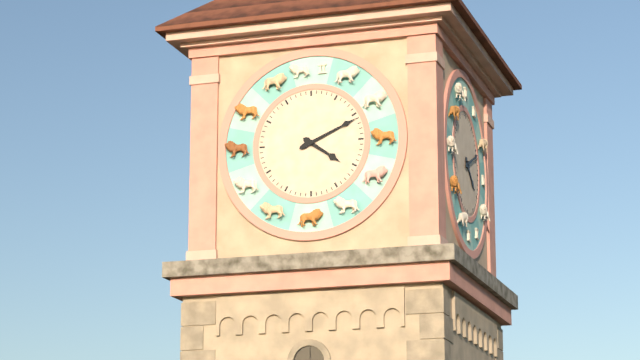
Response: 4:11
